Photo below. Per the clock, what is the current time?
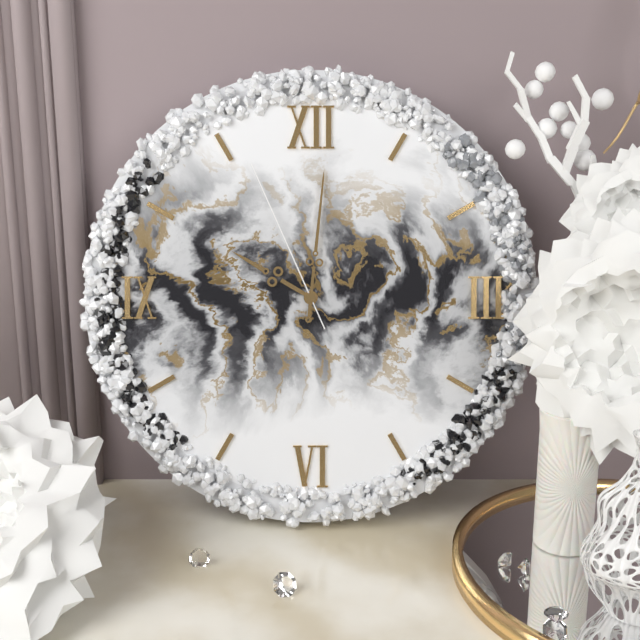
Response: 10:01:56
